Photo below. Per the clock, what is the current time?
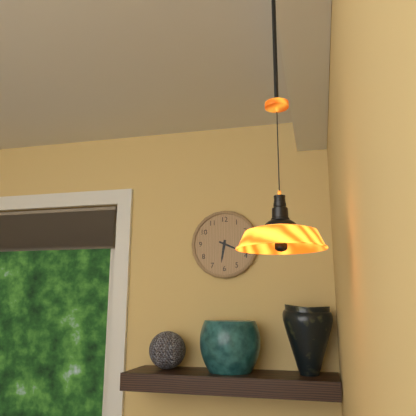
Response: 6:19
